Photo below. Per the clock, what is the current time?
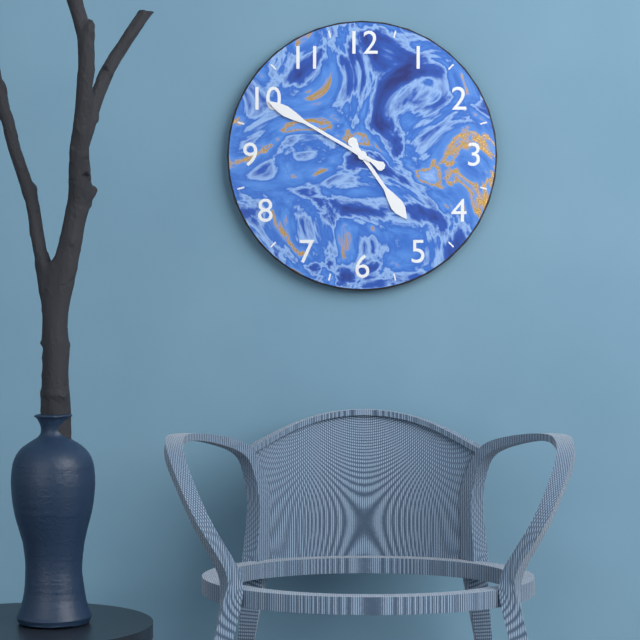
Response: 4:50
